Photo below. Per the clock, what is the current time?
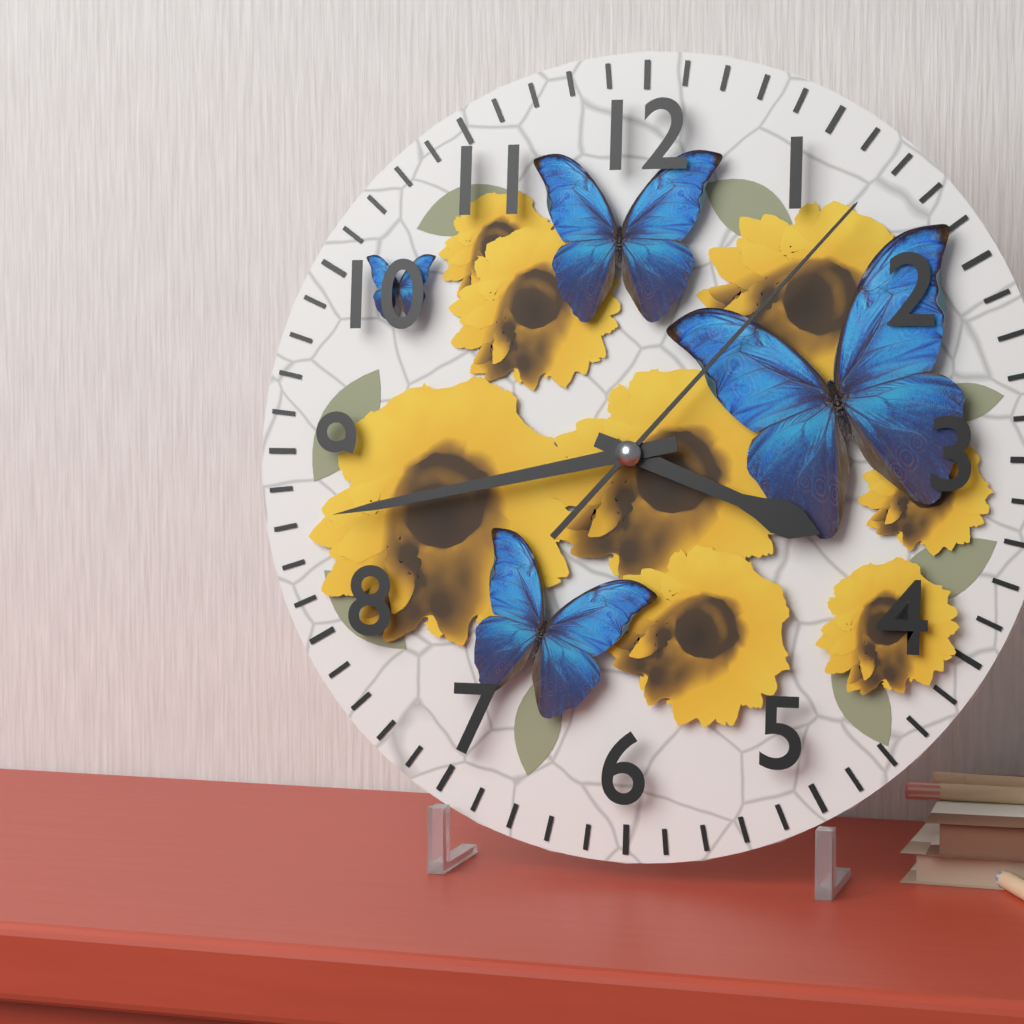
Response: 3:43:07
